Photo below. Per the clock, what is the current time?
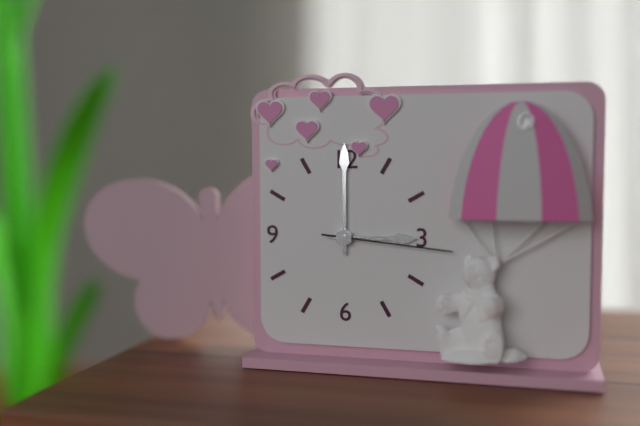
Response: 3:00:16
